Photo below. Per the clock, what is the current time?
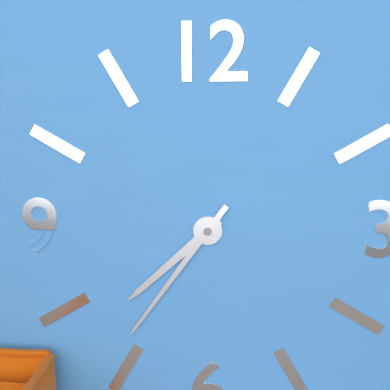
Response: 7:36
